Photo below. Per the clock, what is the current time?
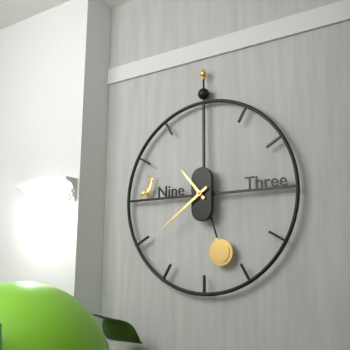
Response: 10:39
